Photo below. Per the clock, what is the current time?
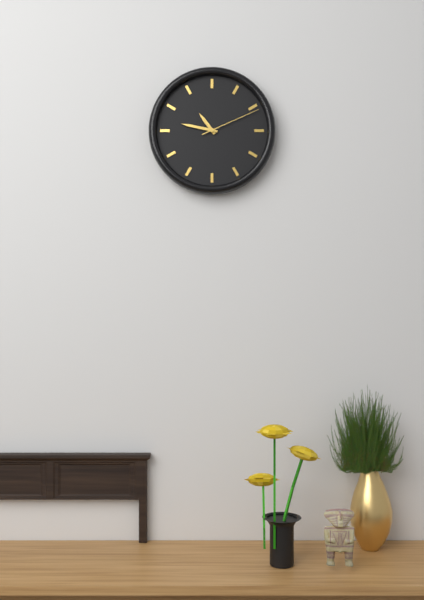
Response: 10:47:11
